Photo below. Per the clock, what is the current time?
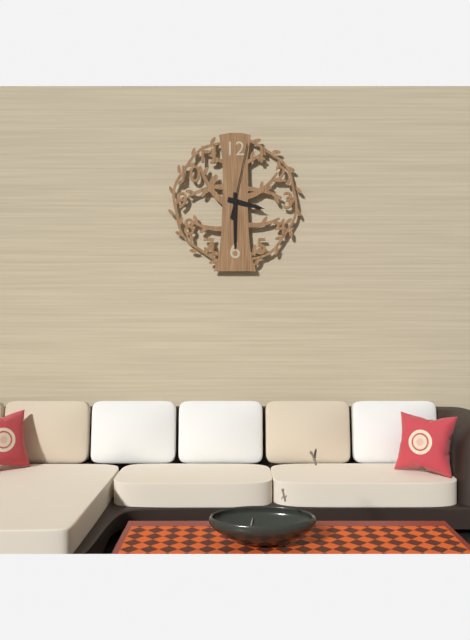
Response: 3:30:02
